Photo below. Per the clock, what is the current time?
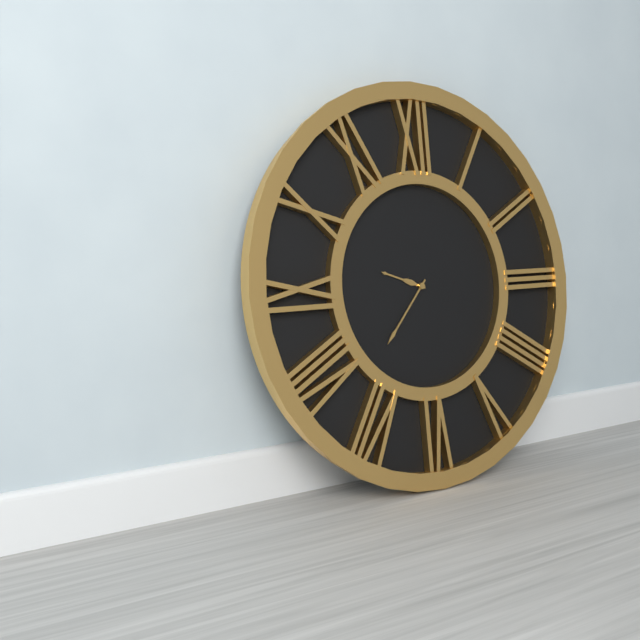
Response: 9:37
